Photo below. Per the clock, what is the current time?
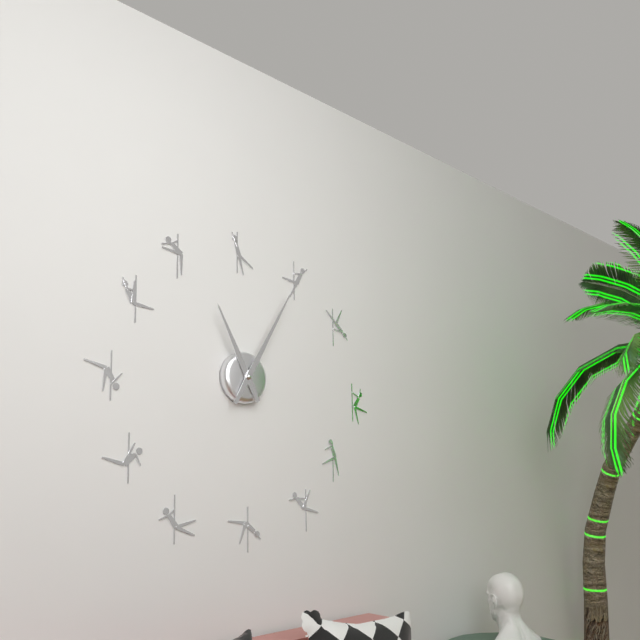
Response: 11:05
